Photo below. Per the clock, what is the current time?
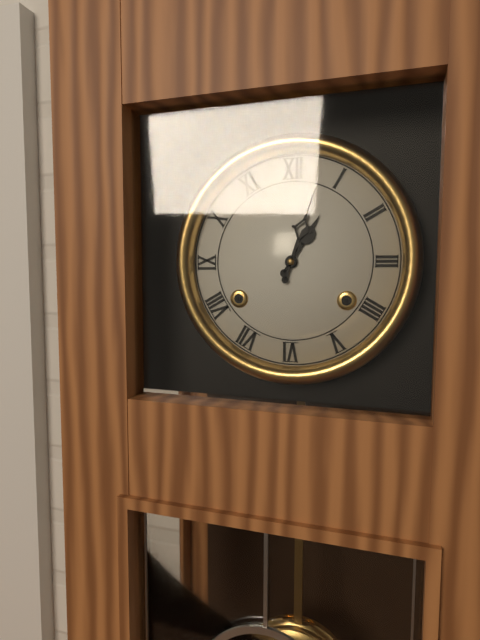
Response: 1:03
